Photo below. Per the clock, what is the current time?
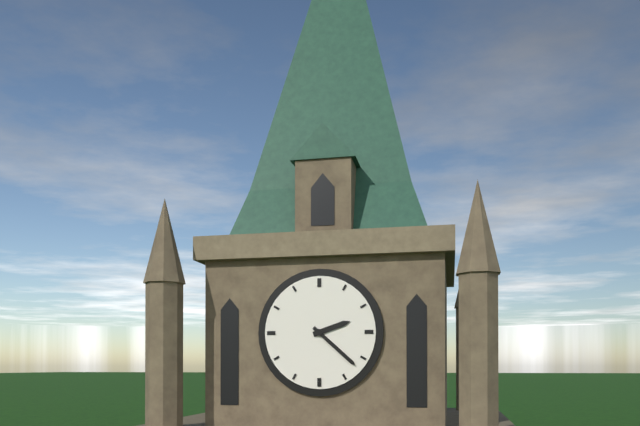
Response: 2:22
